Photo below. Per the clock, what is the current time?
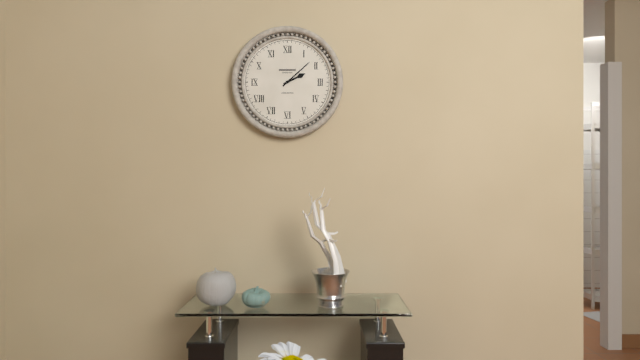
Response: 2:08
